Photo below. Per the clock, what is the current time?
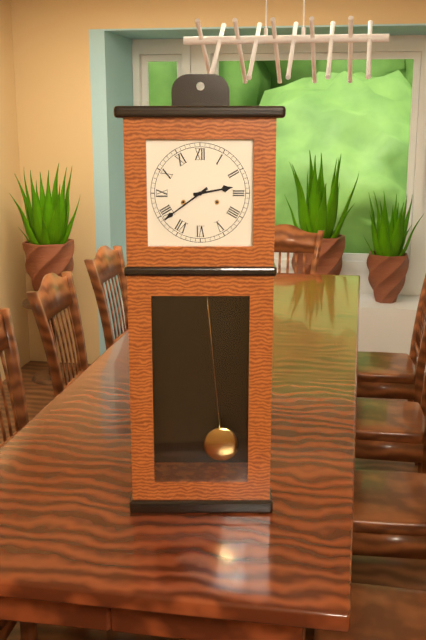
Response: 2:39
